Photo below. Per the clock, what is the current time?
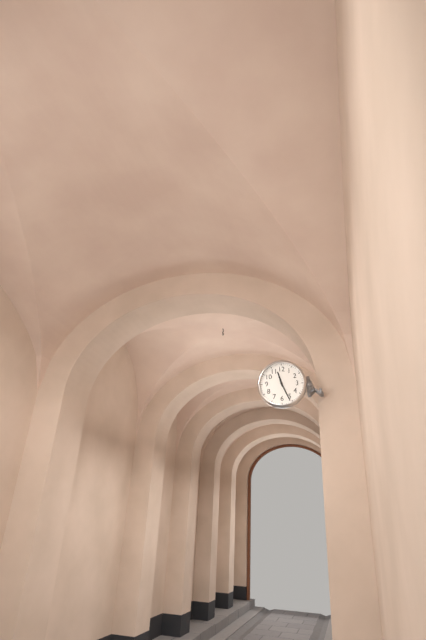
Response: 11:26
